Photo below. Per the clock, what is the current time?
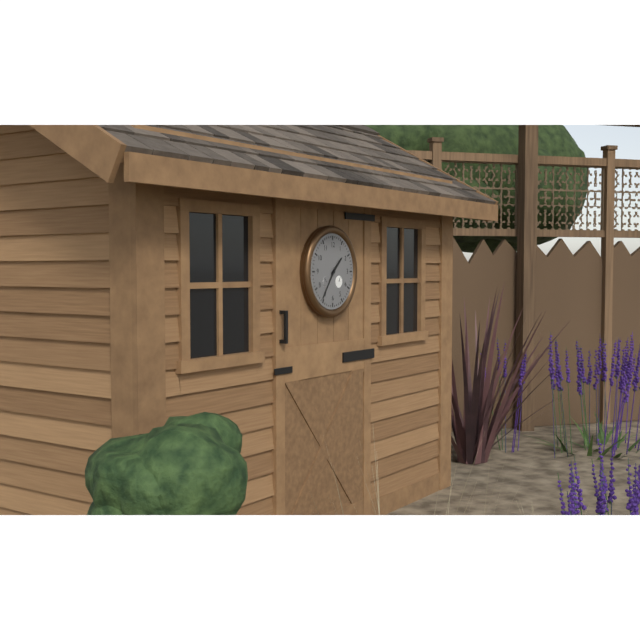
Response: 1:36
